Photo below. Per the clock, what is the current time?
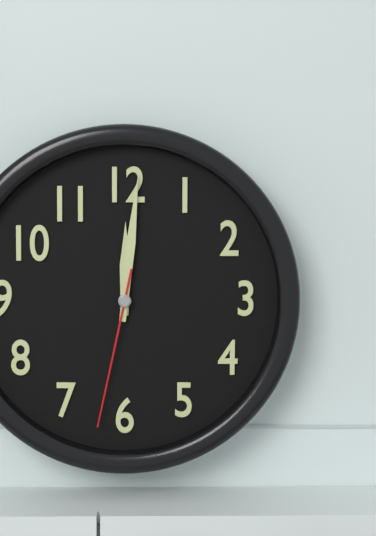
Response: 12:01:32
